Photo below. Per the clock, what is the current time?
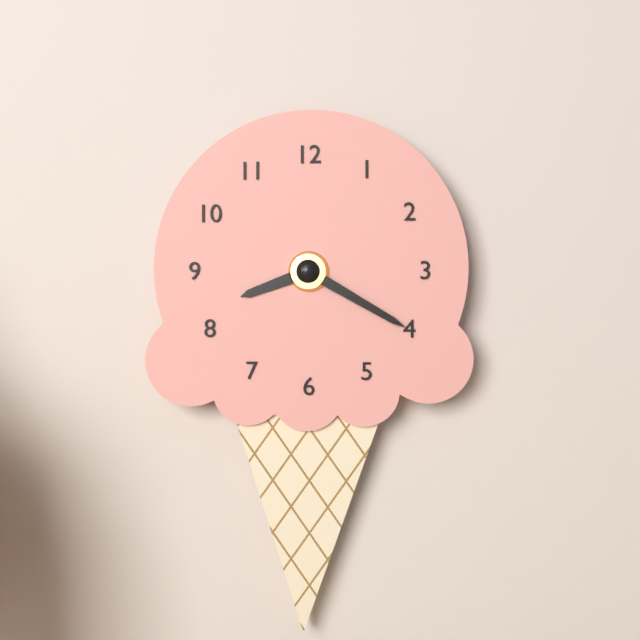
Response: 8:20
